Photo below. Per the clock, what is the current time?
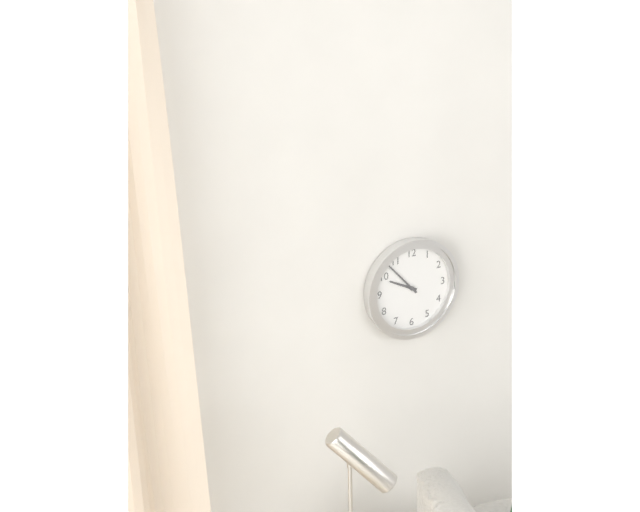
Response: 9:53
